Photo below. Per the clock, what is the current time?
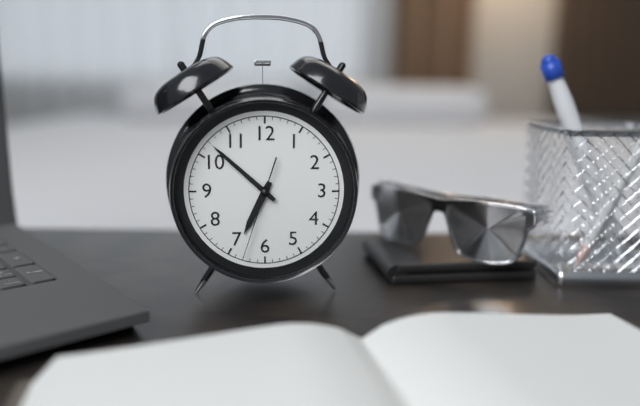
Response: 6:52:33
